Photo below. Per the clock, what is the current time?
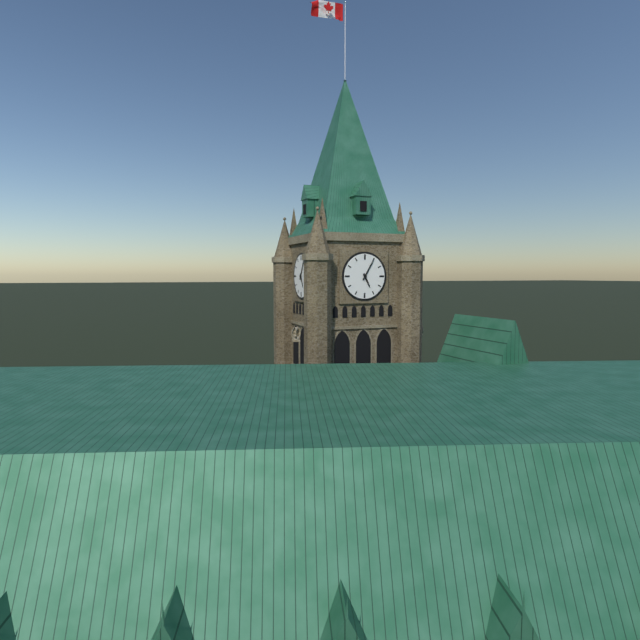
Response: 5:05
